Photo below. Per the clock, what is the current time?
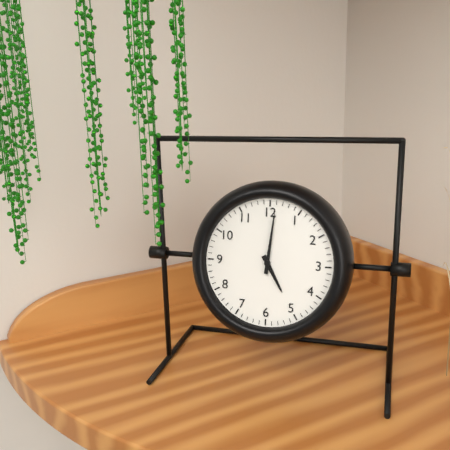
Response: 5:01
